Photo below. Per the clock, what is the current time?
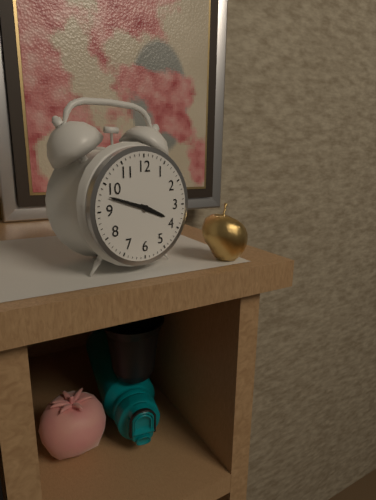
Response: 3:48
